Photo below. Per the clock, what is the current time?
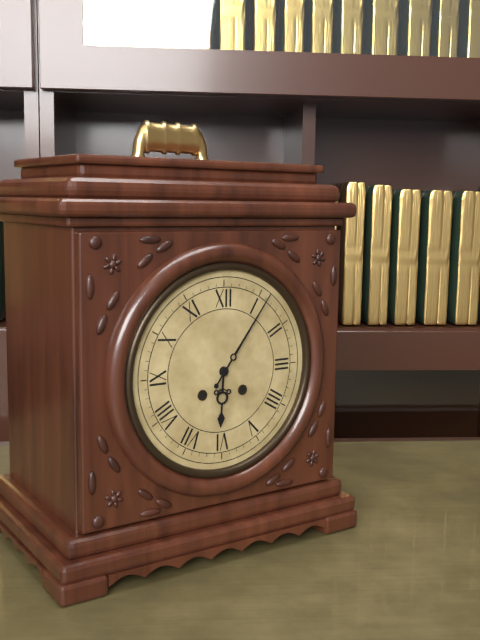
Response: 6:06
